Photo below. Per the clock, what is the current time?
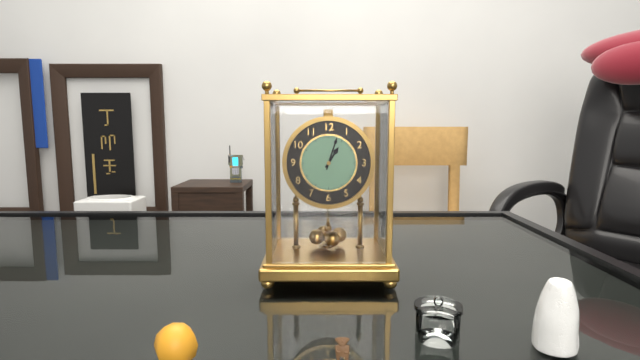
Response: 1:03
